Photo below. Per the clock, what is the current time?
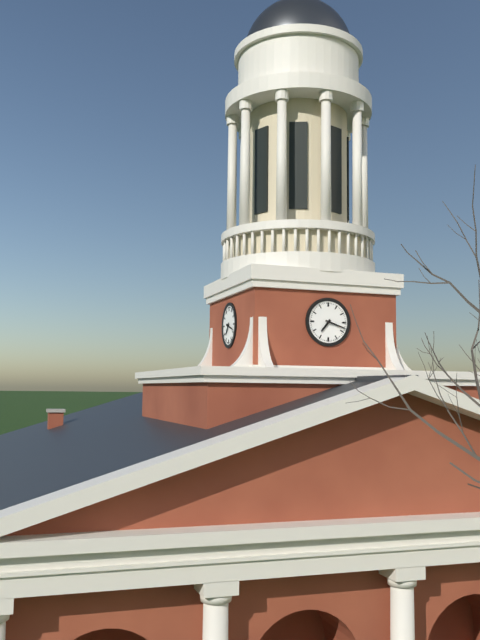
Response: 7:18
